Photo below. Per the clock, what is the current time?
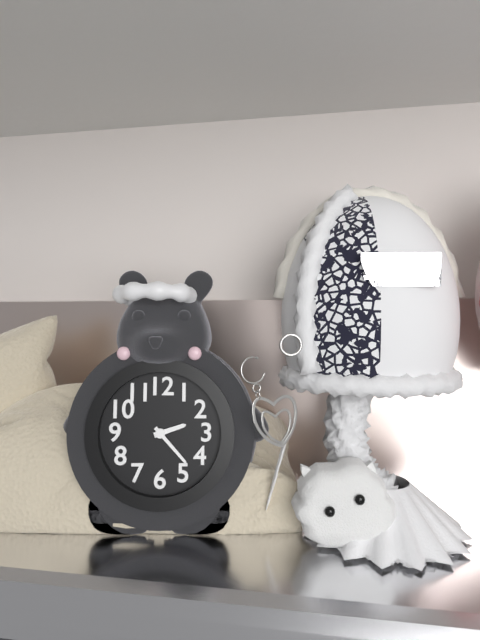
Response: 2:23
